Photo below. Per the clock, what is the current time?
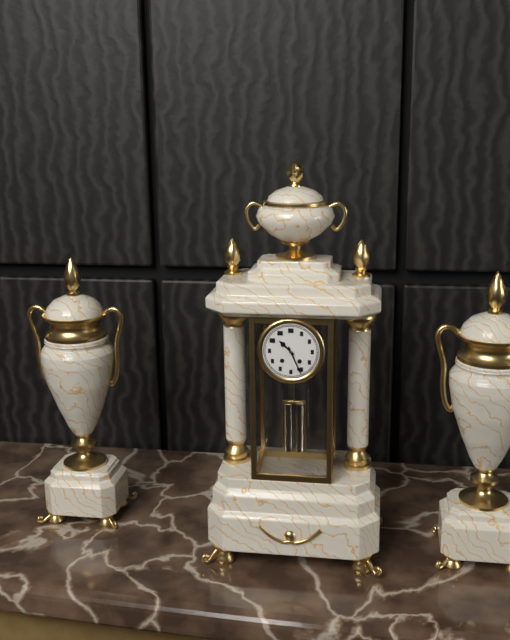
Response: 10:26
